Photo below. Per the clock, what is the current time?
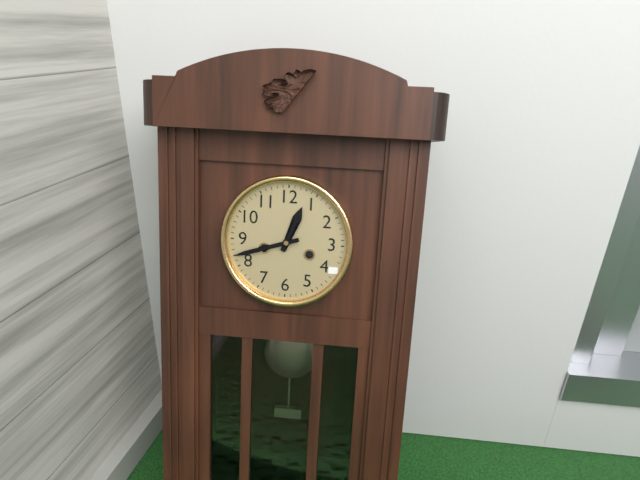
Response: 12:42
